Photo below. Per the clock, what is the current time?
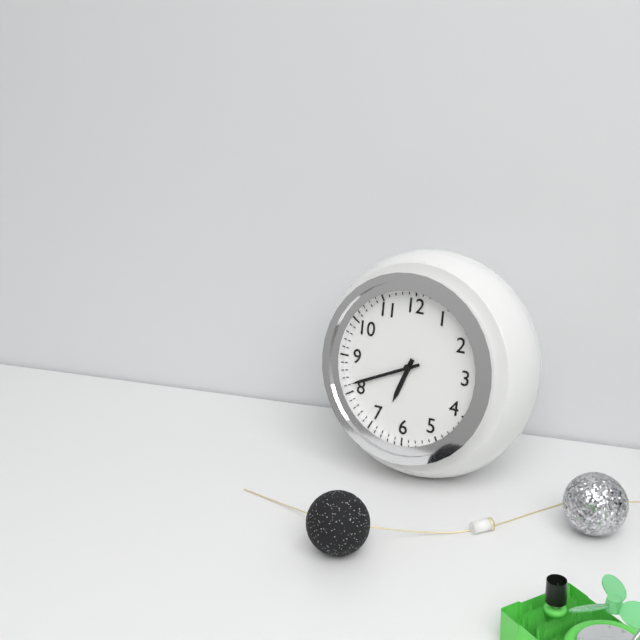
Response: 6:41
